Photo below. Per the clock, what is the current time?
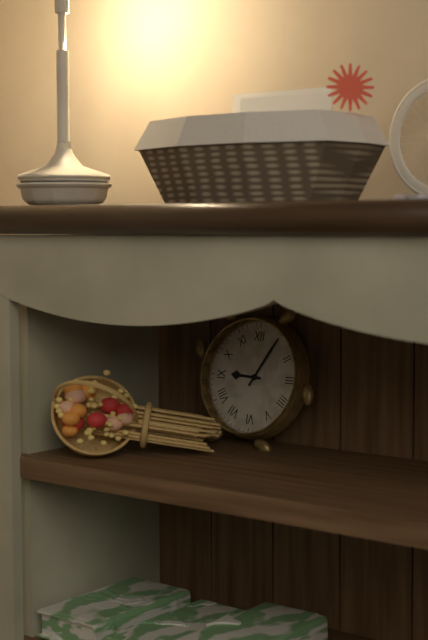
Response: 9:05
